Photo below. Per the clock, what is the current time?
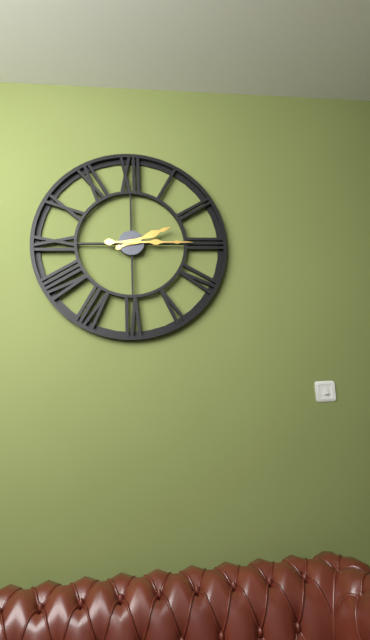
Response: 2:15
